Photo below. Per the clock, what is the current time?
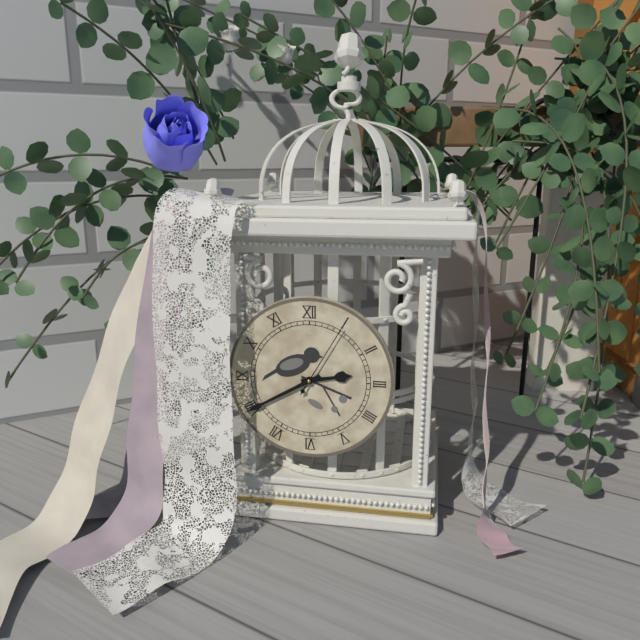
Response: 2:40:05
